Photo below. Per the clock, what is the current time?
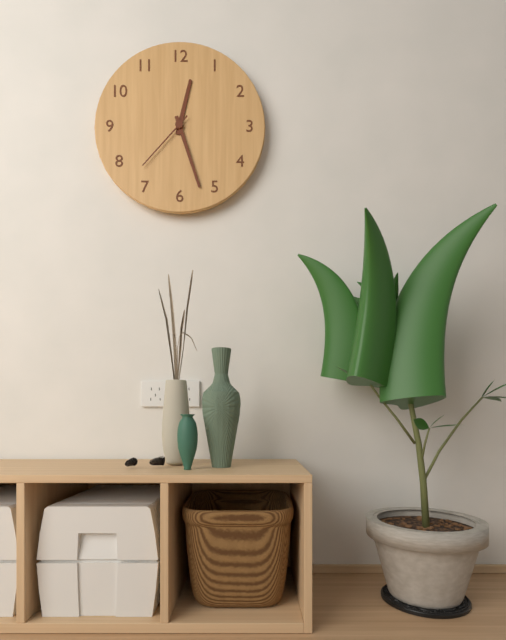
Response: 12:27:37
